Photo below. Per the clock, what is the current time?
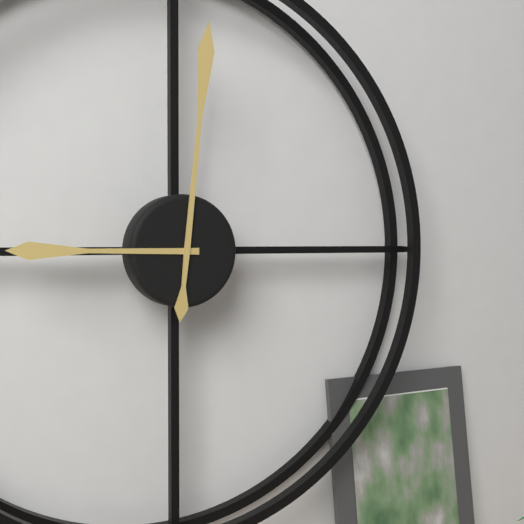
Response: 9:01
